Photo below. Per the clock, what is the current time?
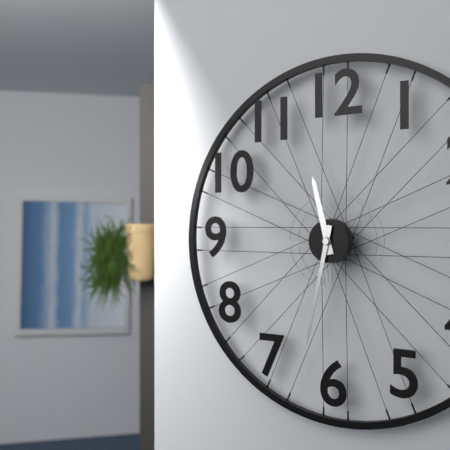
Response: 11:32
